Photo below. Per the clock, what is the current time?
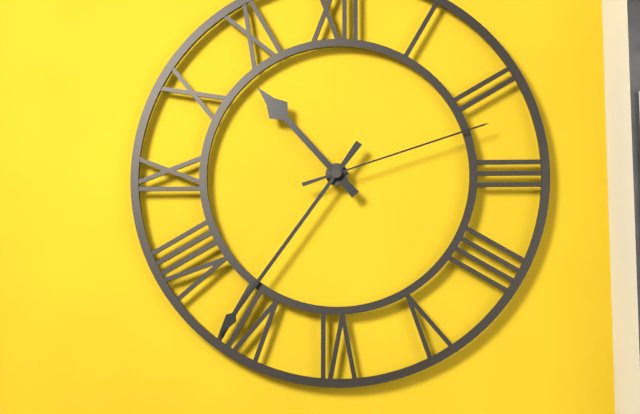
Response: 10:36:12
